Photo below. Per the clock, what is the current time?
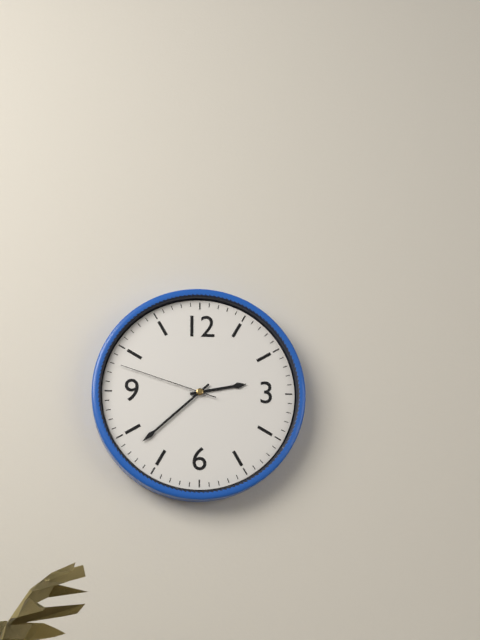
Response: 2:38:48
